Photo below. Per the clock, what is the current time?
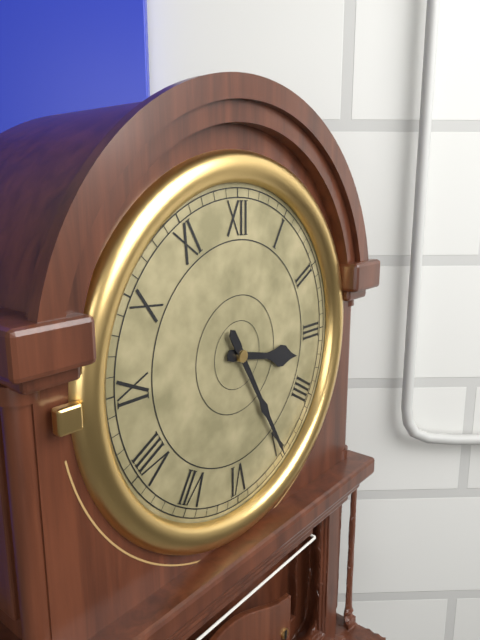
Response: 3:25
